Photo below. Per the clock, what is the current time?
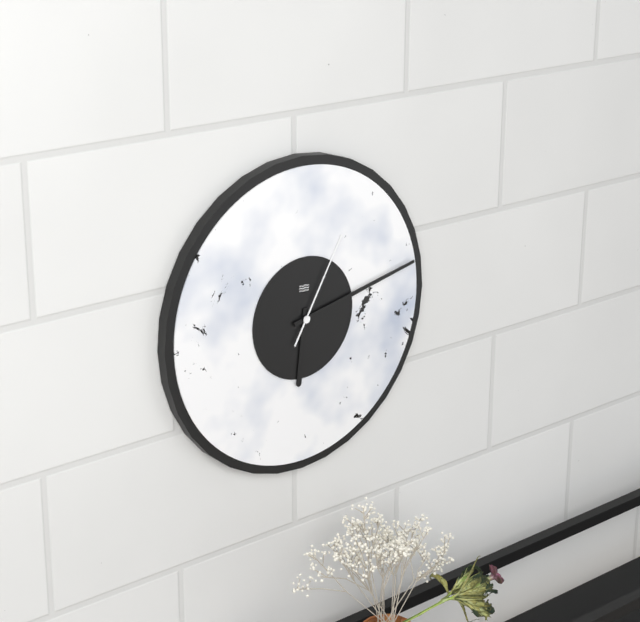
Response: 6:13:05
